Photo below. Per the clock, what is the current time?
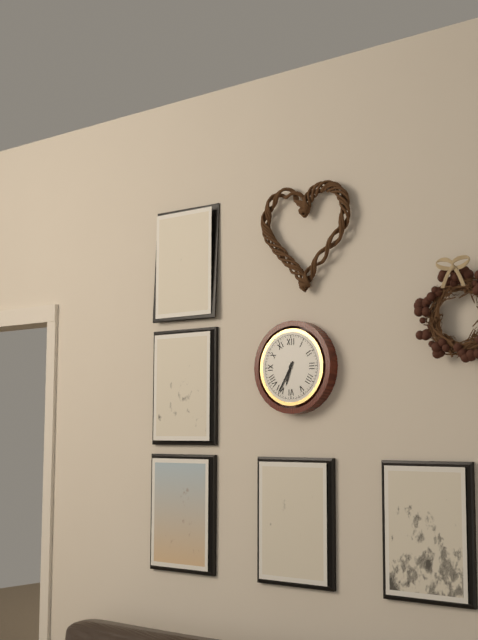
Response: 6:35
